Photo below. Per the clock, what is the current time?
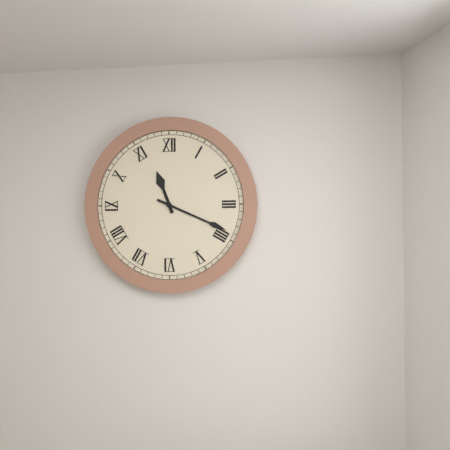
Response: 11:19
